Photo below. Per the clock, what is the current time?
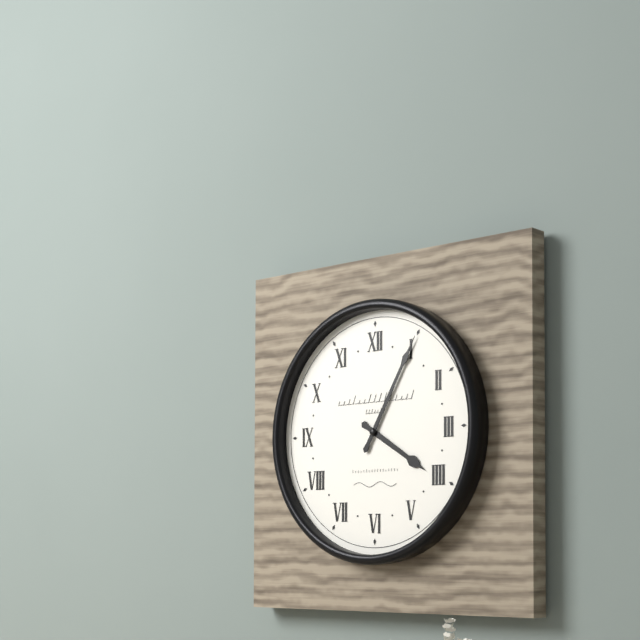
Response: 4:05
